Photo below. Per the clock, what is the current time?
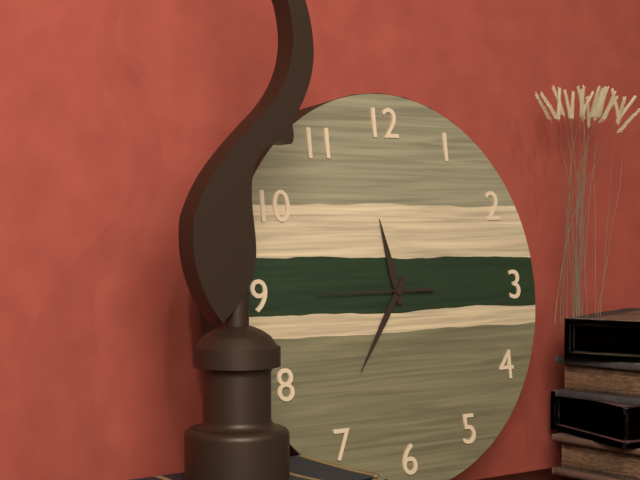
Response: 11:36:45
